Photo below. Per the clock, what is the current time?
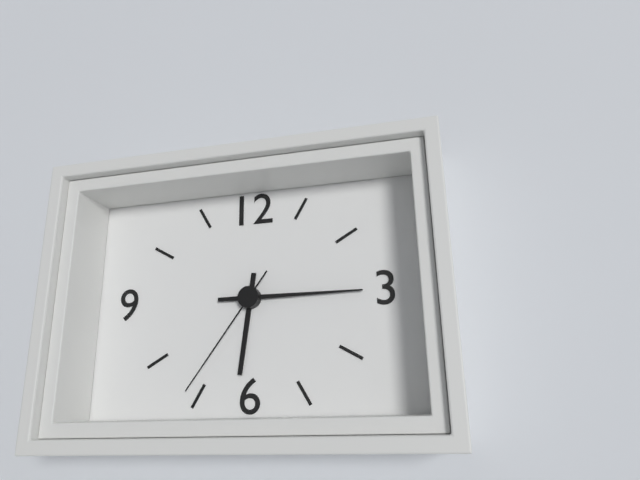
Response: 6:15:36
